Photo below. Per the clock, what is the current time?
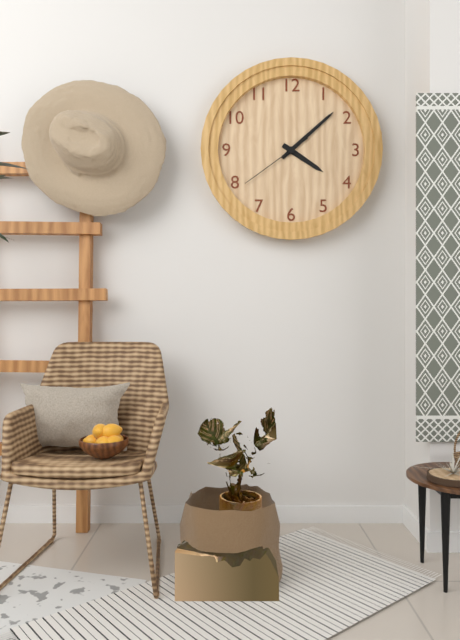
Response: 4:08:39
